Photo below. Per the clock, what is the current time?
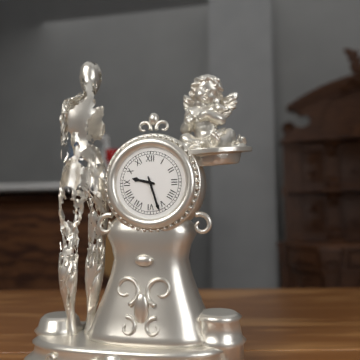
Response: 9:27
